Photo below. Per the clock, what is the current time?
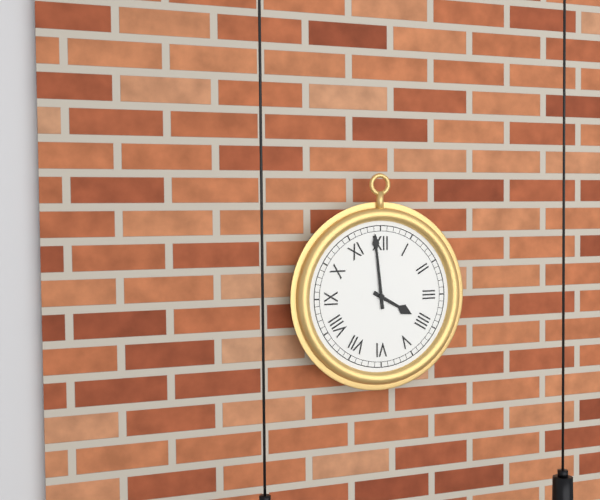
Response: 3:59
